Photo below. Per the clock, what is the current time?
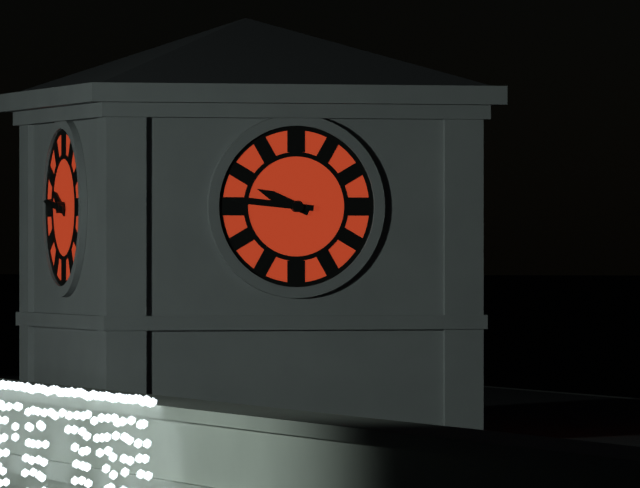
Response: 9:46
